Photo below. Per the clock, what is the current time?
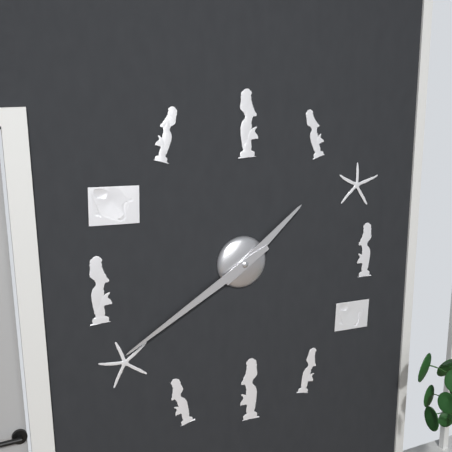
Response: 1:40
